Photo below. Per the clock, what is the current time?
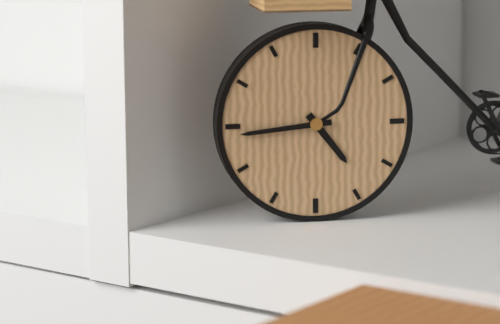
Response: 4:44
